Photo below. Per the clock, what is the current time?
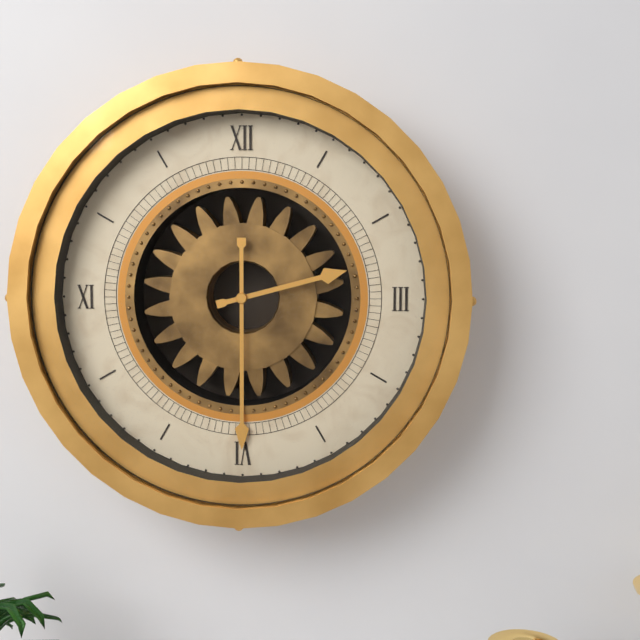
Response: 2:30
